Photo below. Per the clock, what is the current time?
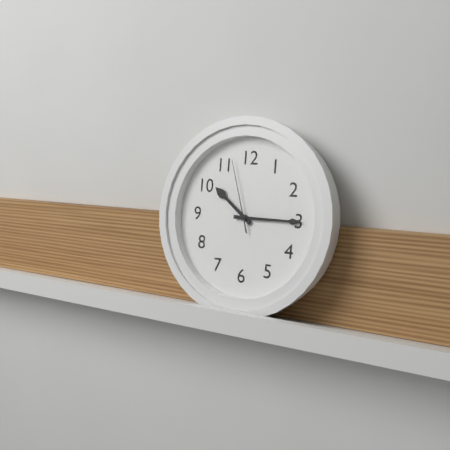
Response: 10:15:57
